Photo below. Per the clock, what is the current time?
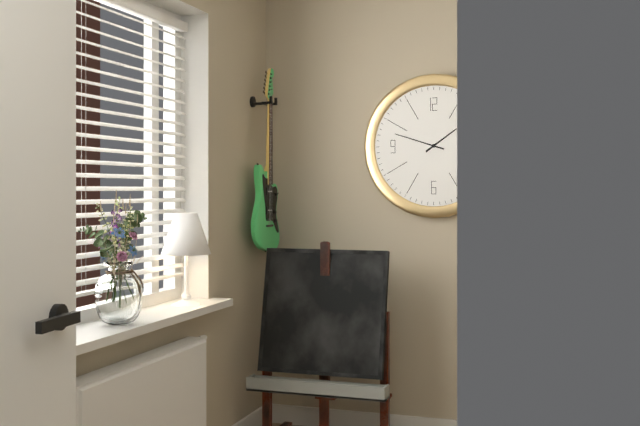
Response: 1:48
